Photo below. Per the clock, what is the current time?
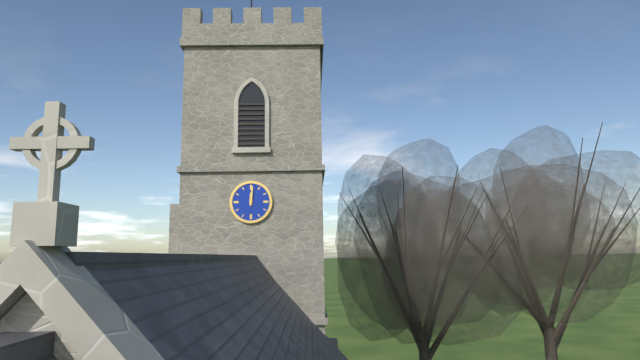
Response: 12:01
